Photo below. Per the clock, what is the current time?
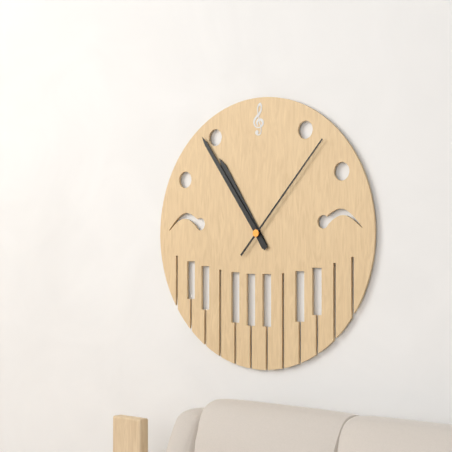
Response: 10:54:07
